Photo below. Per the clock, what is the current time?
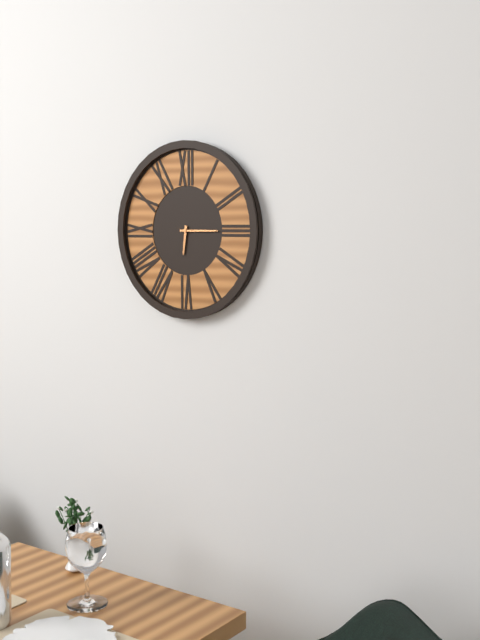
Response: 6:15
